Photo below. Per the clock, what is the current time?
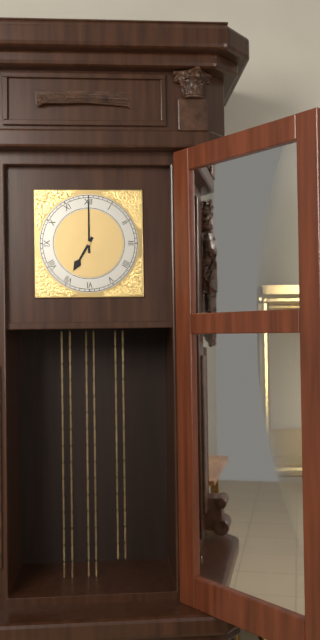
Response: 7:00
